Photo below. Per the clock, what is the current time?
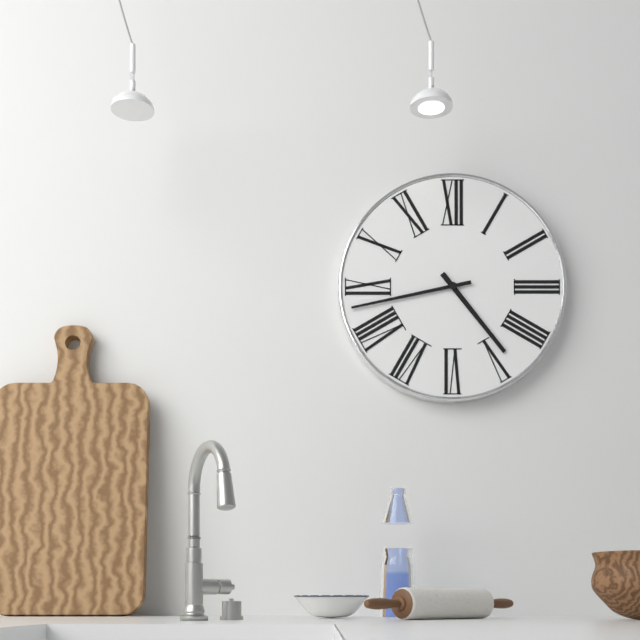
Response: 4:43
